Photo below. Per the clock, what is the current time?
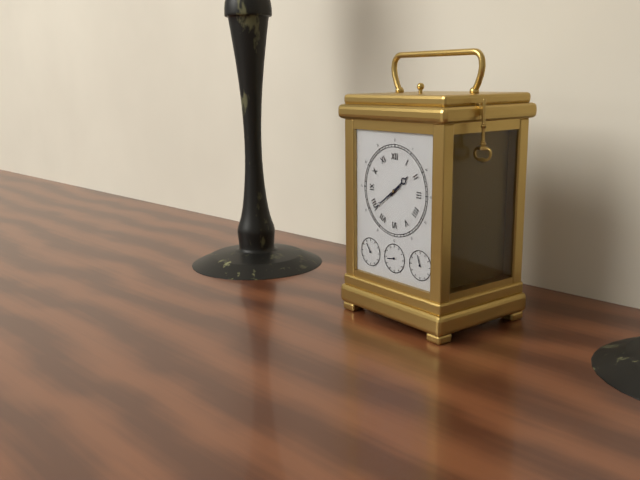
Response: 1:39
